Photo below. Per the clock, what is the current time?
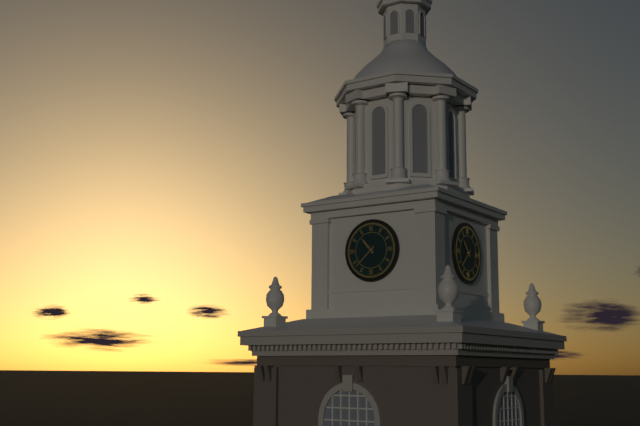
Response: 10:38
